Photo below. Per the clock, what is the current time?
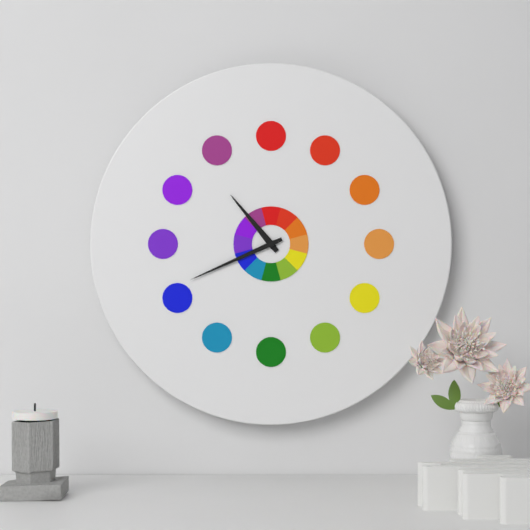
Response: 10:41
